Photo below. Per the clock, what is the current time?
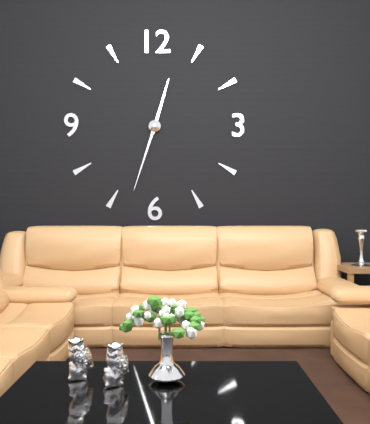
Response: 12:33
